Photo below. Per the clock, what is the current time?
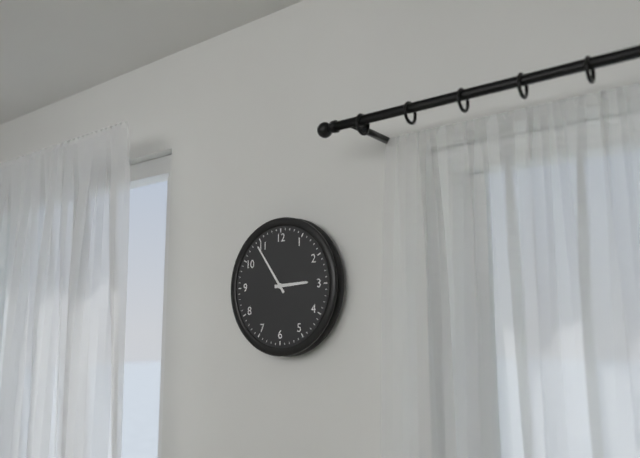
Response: 2:54
